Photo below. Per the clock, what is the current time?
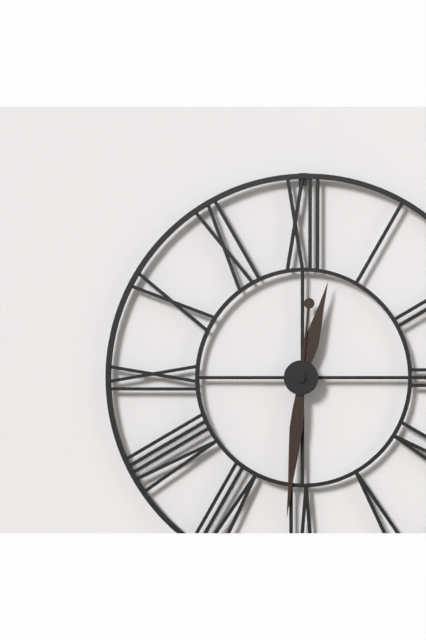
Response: 12:31
